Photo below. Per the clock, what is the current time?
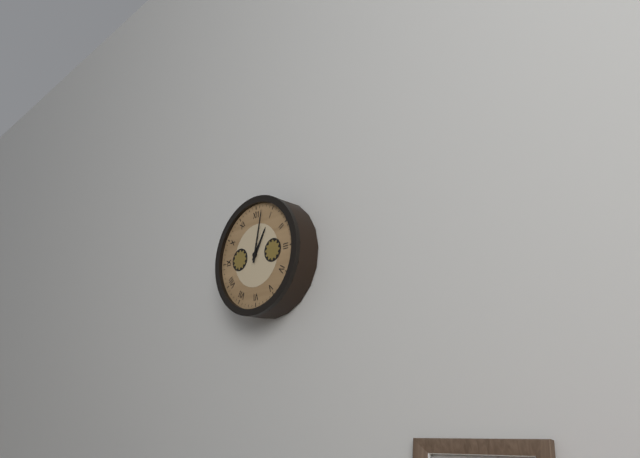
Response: 1:02
